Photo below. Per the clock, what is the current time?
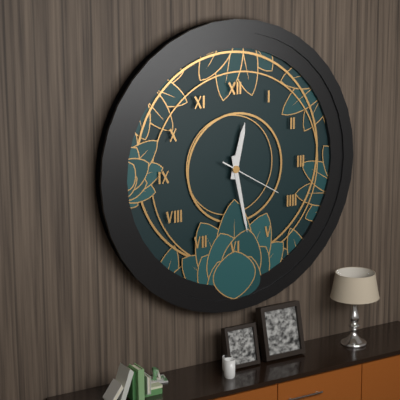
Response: 12:28:20
